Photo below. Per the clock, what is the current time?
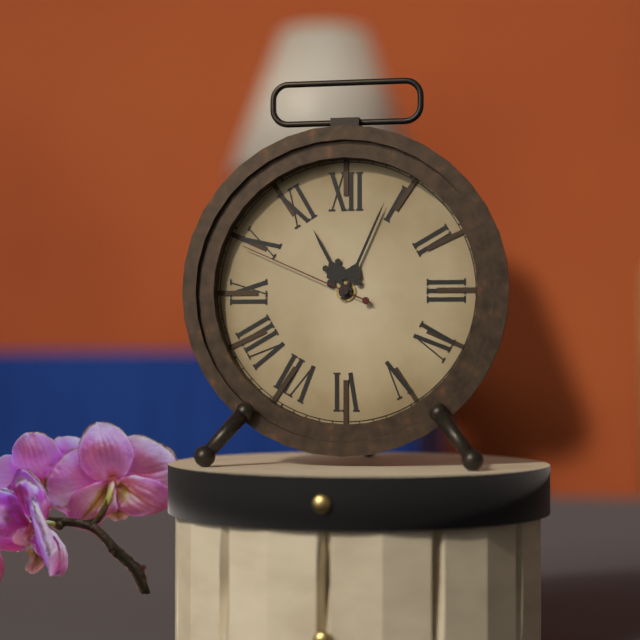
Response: 11:04:49
